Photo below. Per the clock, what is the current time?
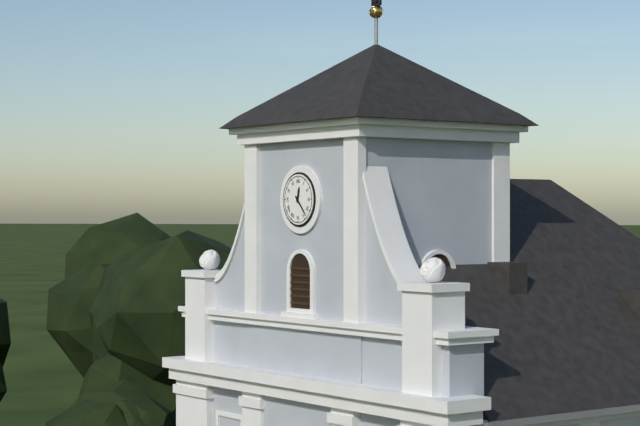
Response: 12:23
